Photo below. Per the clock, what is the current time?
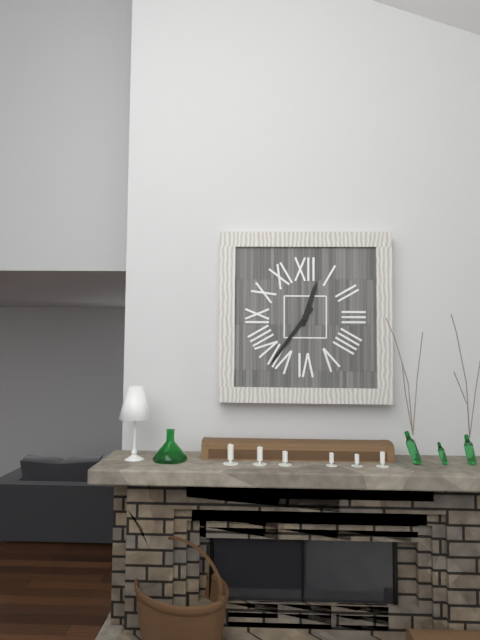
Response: 12:36
